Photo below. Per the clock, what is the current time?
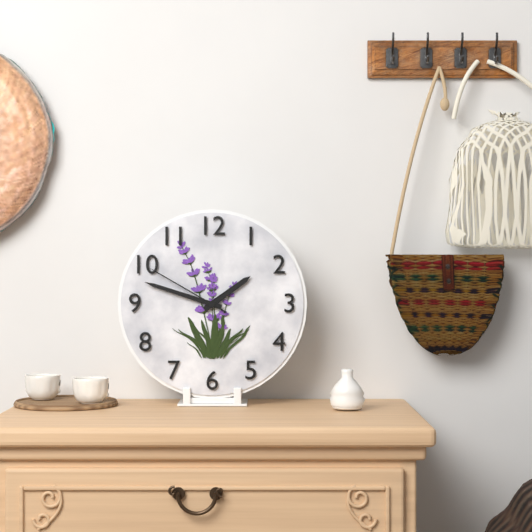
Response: 1:48:50
